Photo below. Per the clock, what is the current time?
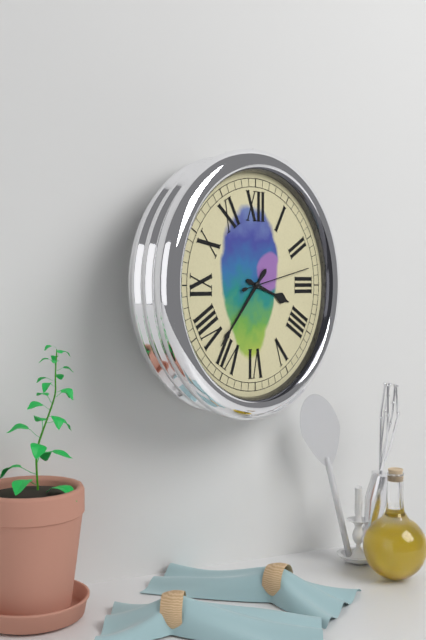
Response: 3:37:13
